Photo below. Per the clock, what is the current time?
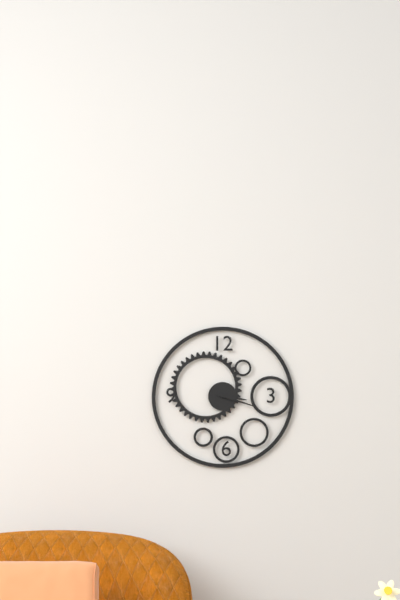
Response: 3:18
